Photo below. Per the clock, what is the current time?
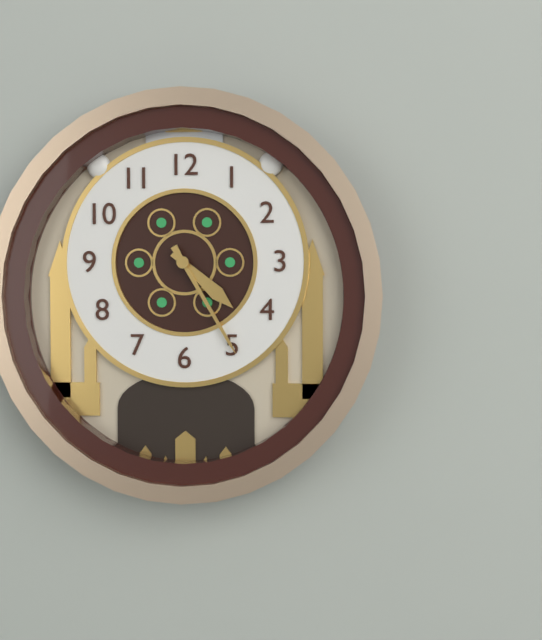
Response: 4:25
